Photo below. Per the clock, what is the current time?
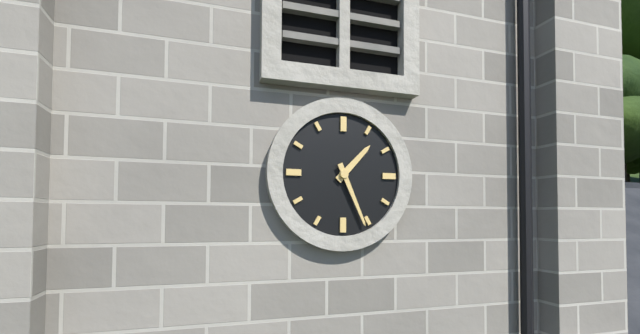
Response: 1:26
